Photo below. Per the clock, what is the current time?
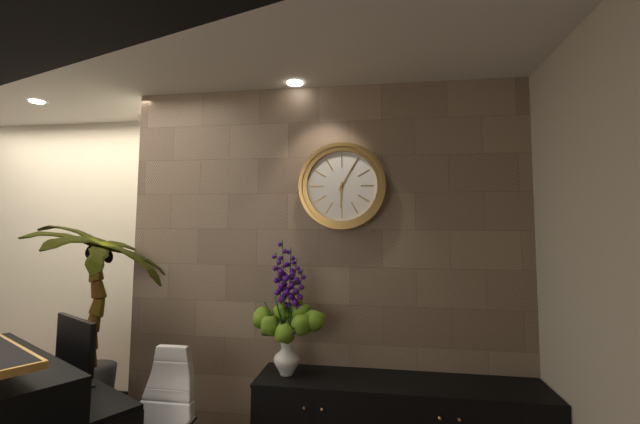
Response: 6:05
